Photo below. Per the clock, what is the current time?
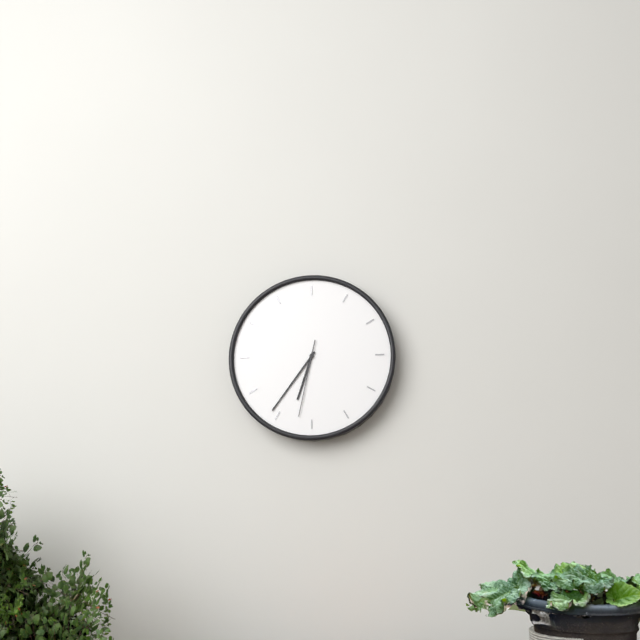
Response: 6:36:32
